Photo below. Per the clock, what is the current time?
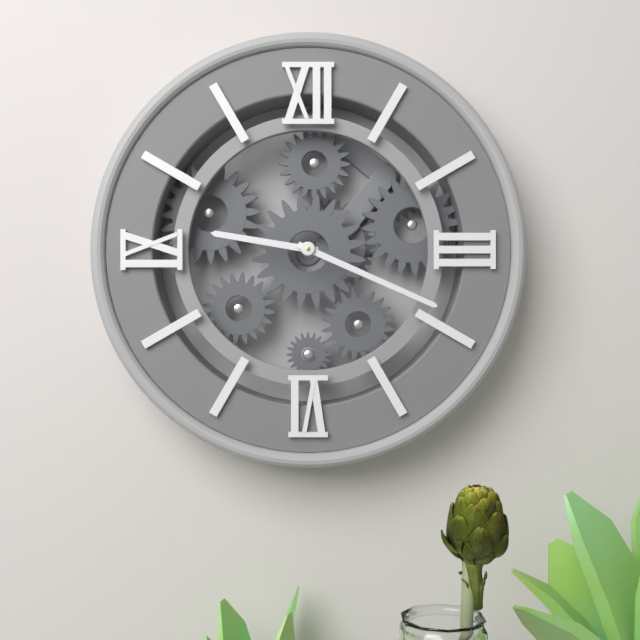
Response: 9:19
